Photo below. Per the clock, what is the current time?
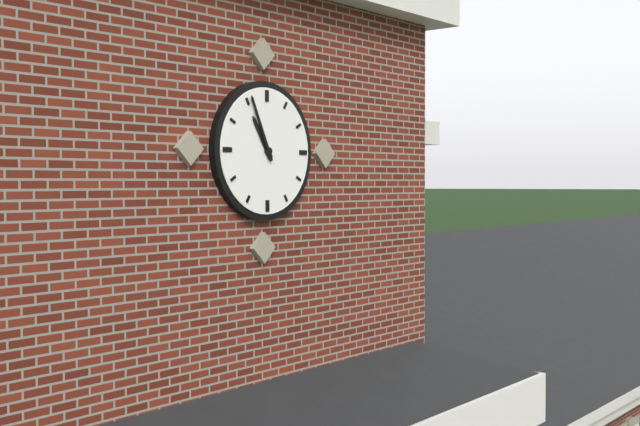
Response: 10:56
